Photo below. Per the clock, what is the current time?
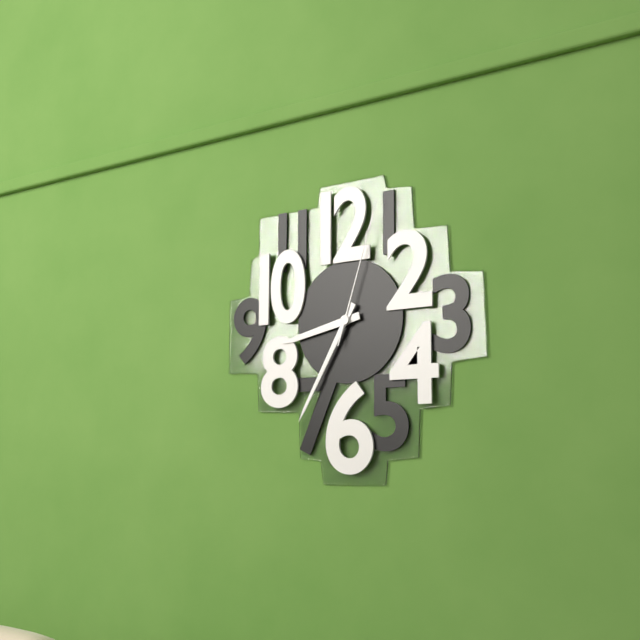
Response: 8:35:03
